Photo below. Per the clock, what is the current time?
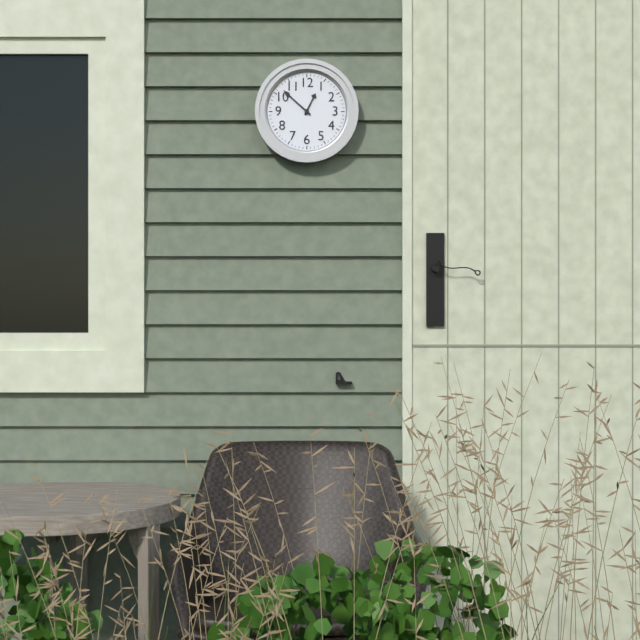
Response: 12:52
